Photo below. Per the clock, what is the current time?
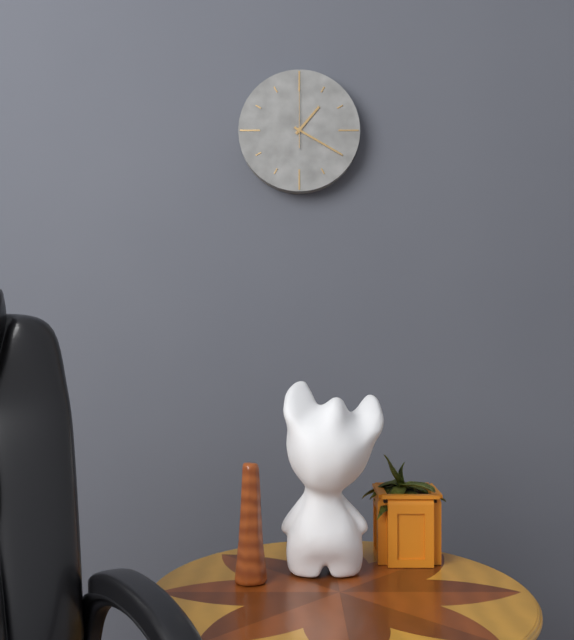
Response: 1:20:00
